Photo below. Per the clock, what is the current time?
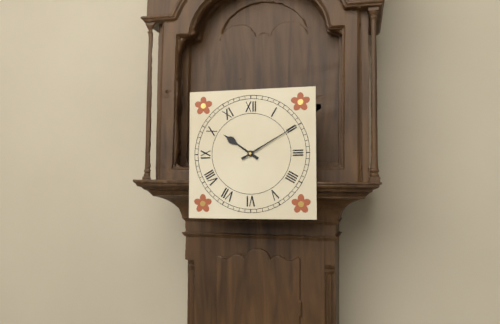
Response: 10:10
